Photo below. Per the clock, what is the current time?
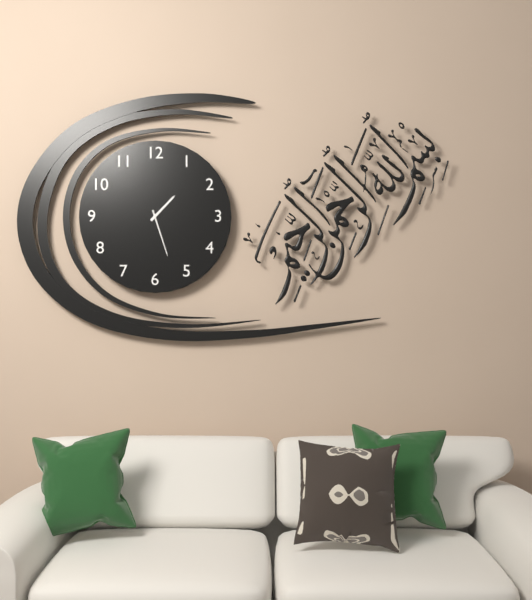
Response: 1:27
